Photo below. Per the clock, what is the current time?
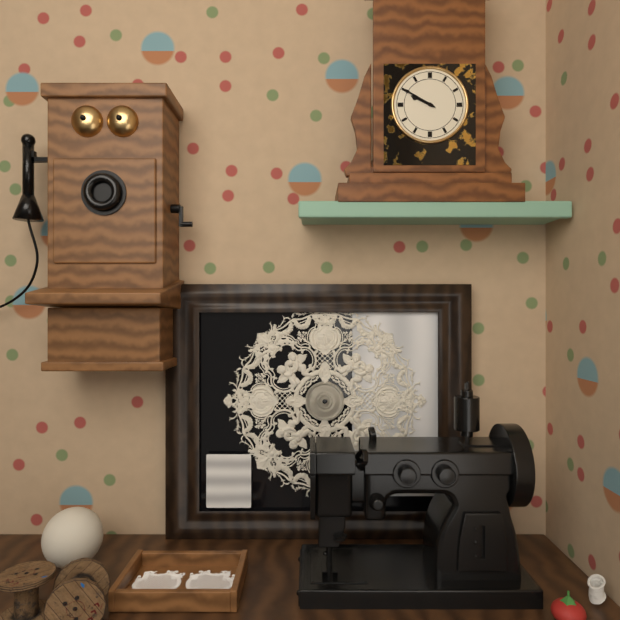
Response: 9:50
